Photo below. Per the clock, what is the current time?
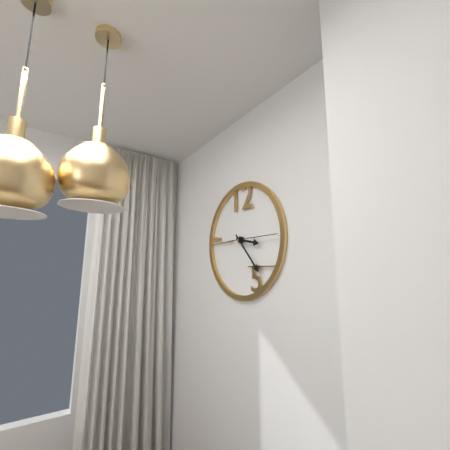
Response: 3:23
